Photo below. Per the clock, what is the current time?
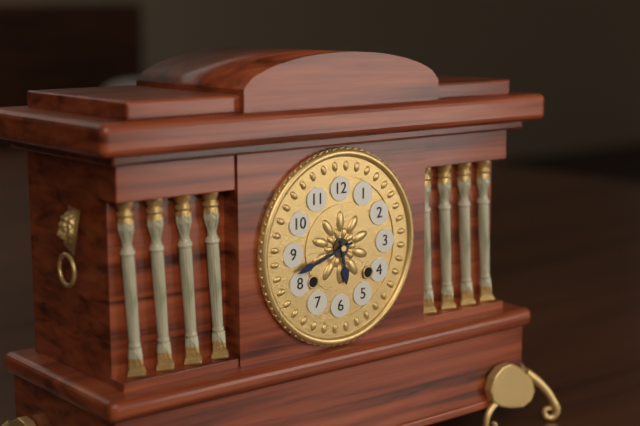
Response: 5:42
